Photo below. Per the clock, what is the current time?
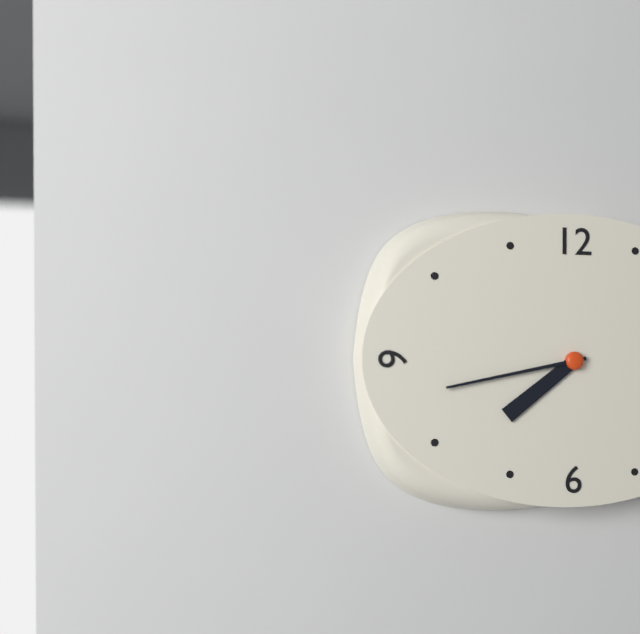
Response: 7:43
